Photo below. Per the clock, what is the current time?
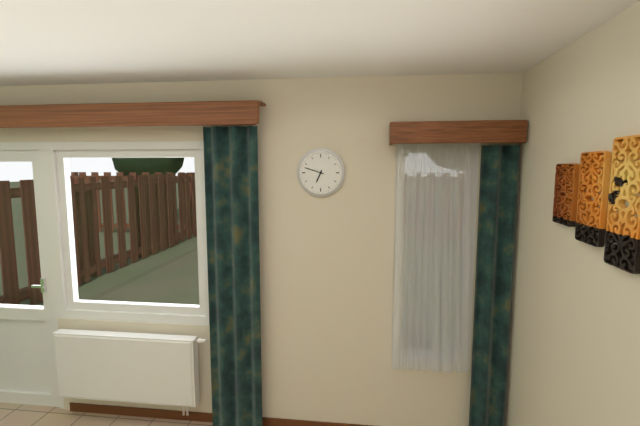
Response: 6:48
